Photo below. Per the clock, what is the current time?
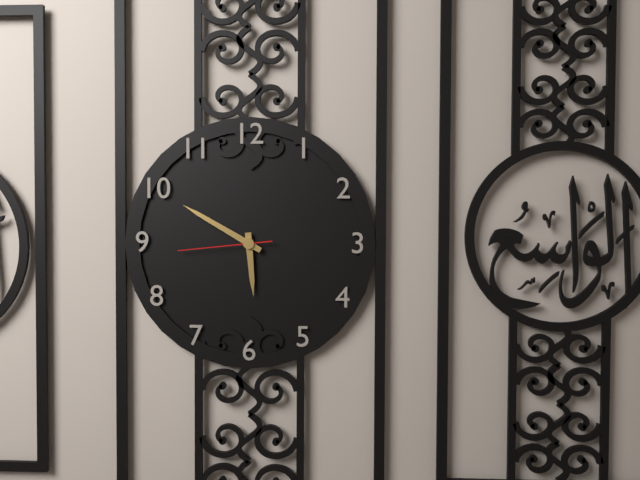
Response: 5:50:44
